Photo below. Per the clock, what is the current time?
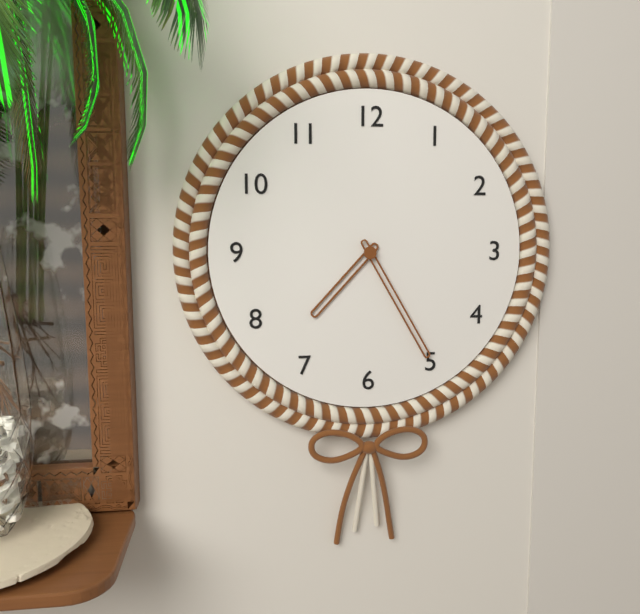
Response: 7:25
